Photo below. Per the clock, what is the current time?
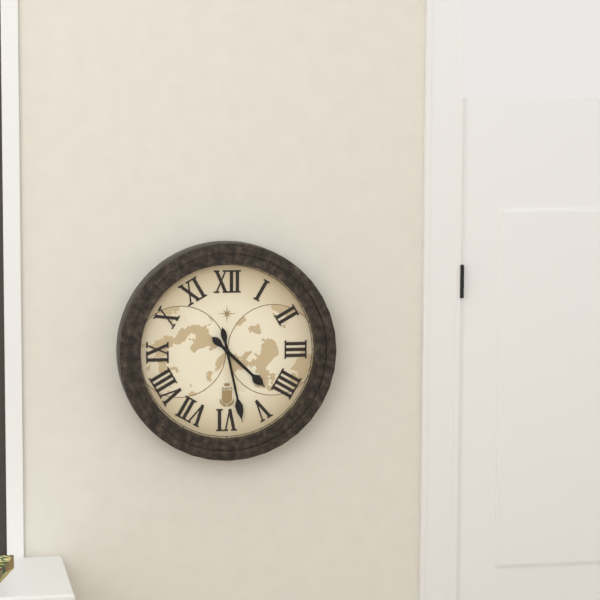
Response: 4:28
